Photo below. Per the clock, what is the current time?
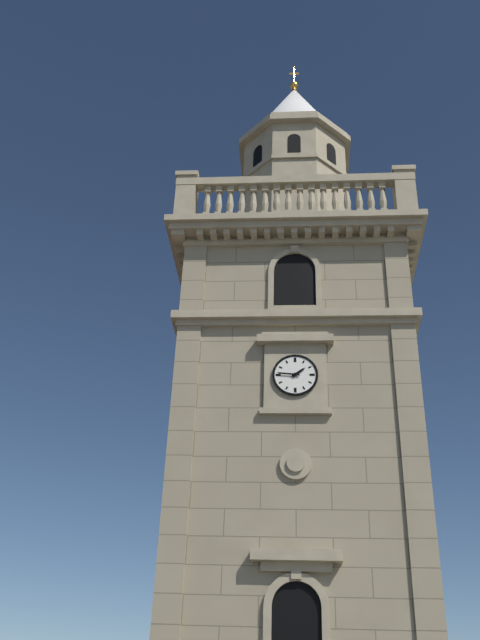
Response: 1:46
